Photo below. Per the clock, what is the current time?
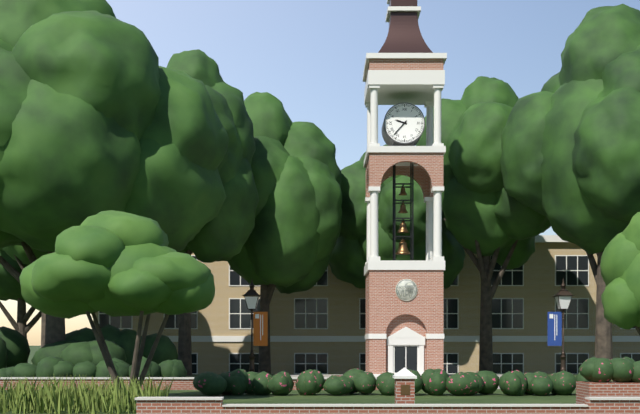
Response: 9:37
